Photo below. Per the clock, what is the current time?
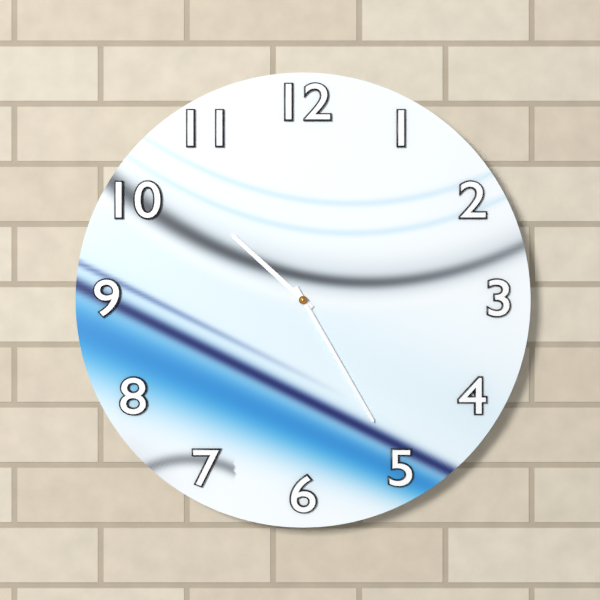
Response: 10:25
